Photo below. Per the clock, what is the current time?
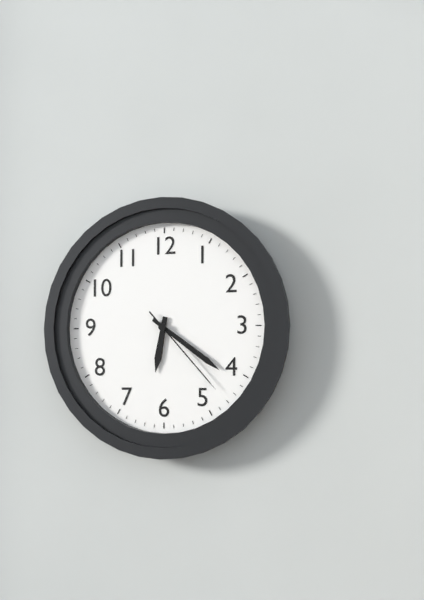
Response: 6:21:23
